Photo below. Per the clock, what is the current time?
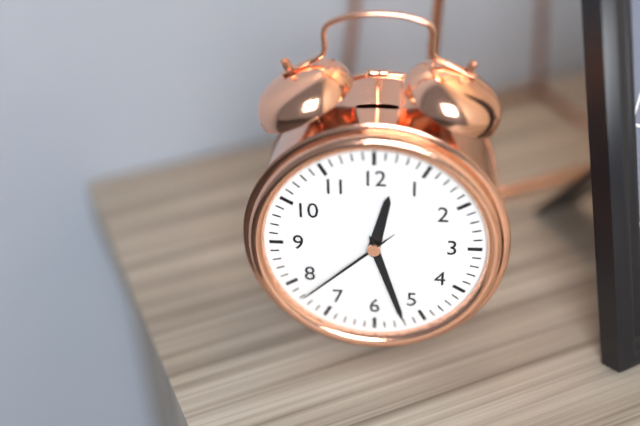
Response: 12:27:38
